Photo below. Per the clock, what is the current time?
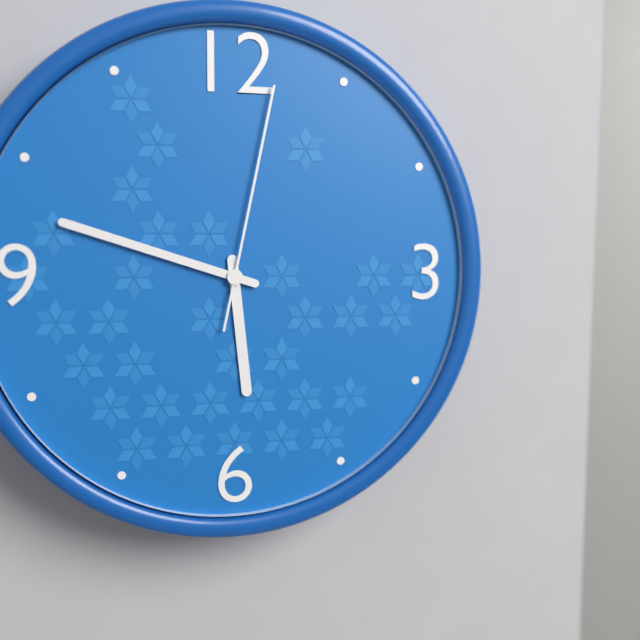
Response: 5:48:02
